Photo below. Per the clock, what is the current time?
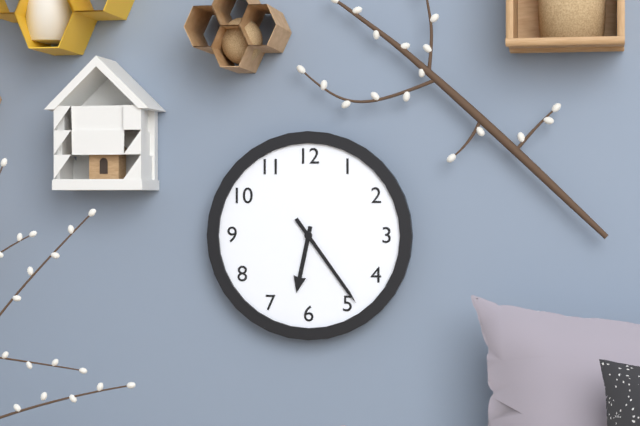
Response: 6:24
